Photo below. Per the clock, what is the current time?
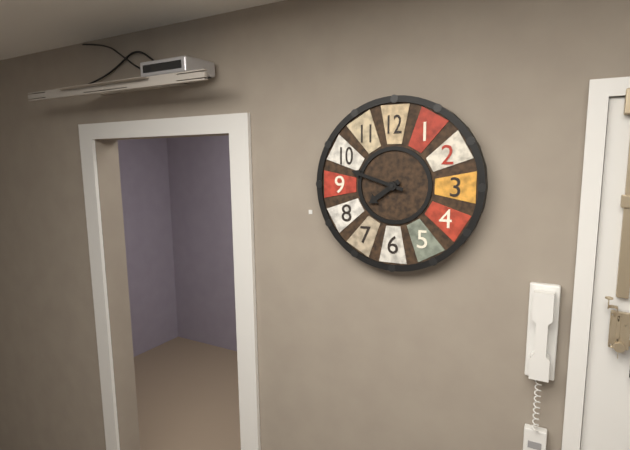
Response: 7:48
